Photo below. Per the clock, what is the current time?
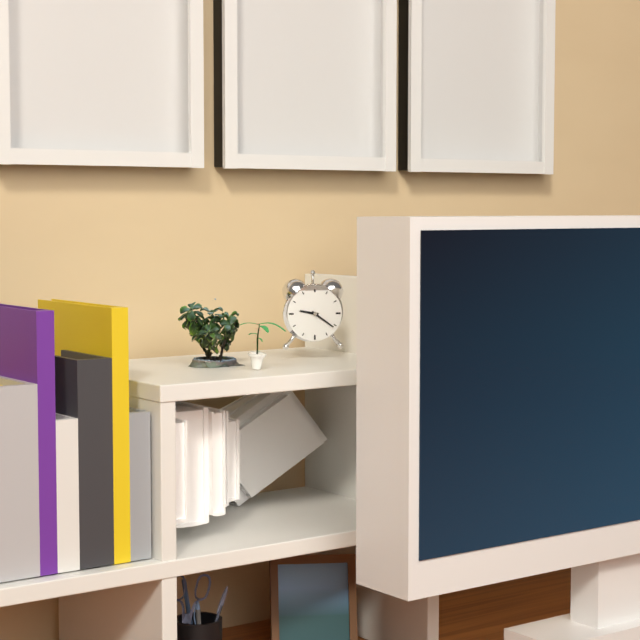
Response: 9:21
